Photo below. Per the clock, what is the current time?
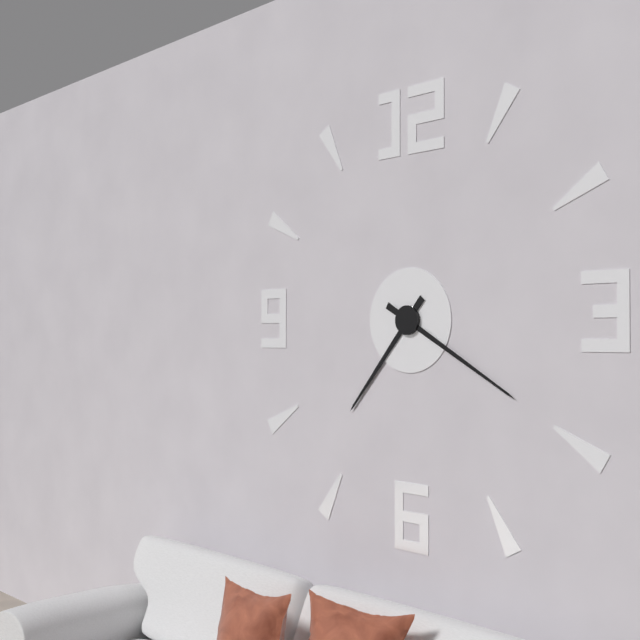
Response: 7:20
